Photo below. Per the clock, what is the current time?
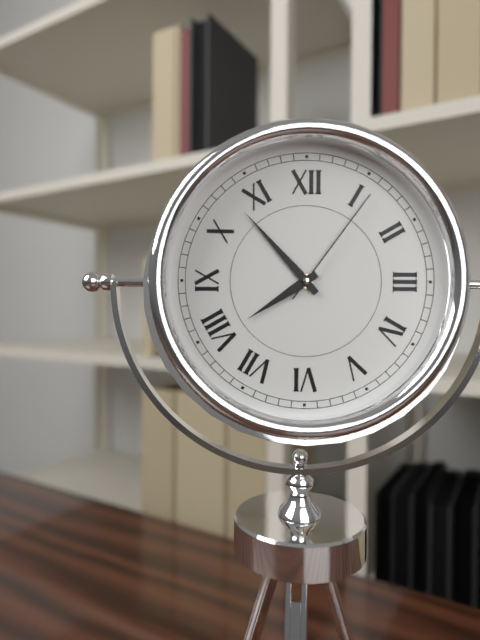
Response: 7:53:06
